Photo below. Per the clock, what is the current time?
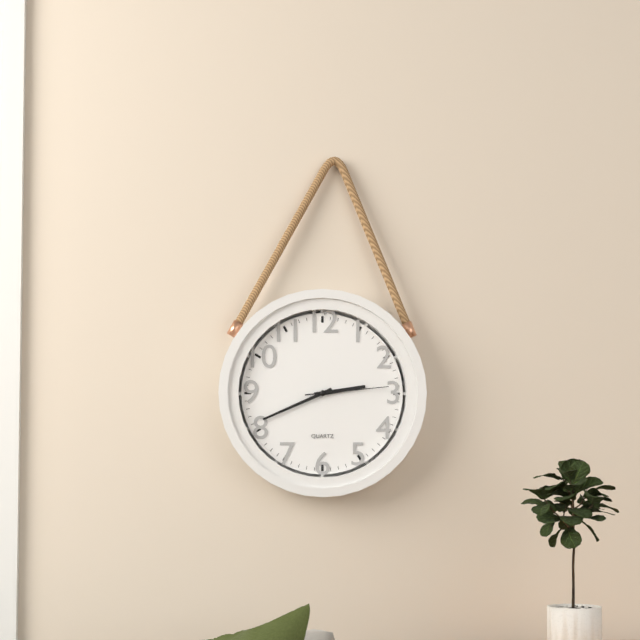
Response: 2:41:14
